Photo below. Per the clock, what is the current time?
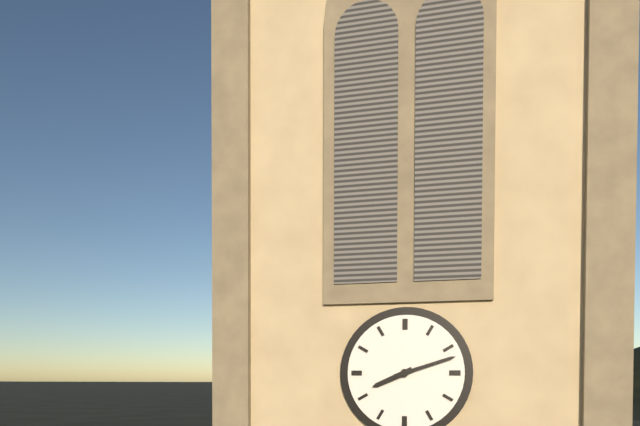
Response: 8:12
